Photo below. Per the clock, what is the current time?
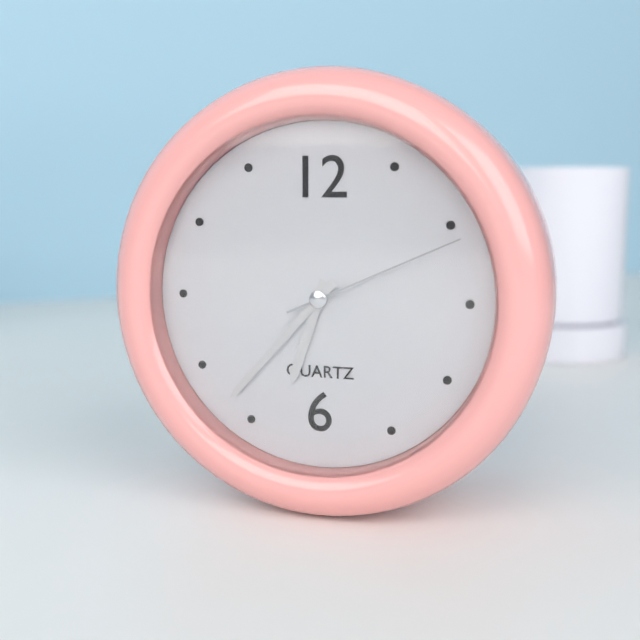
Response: 6:37:11
